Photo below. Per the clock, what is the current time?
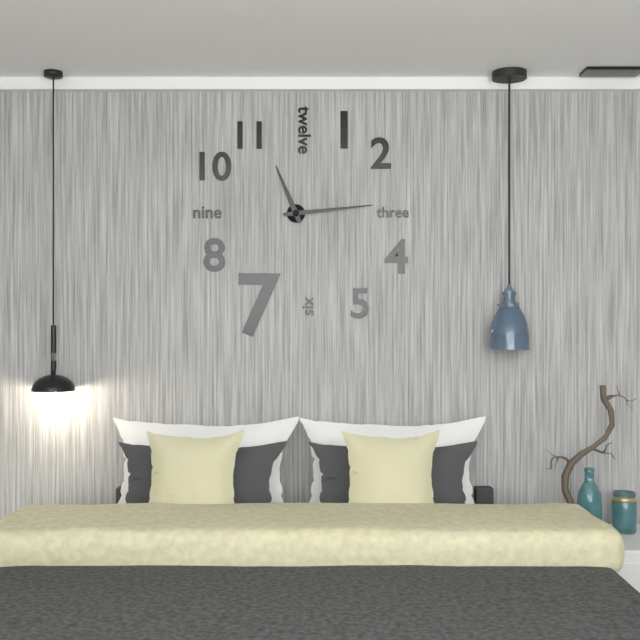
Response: 11:14
